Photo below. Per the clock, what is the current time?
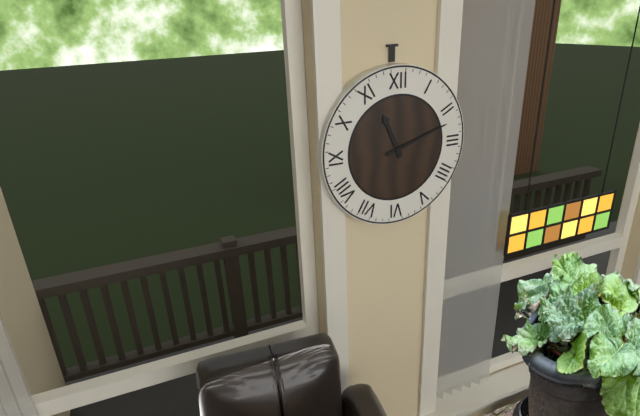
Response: 11:12
